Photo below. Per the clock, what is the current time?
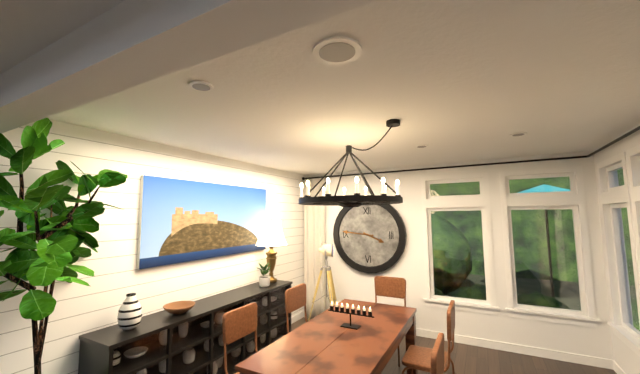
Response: 3:46
